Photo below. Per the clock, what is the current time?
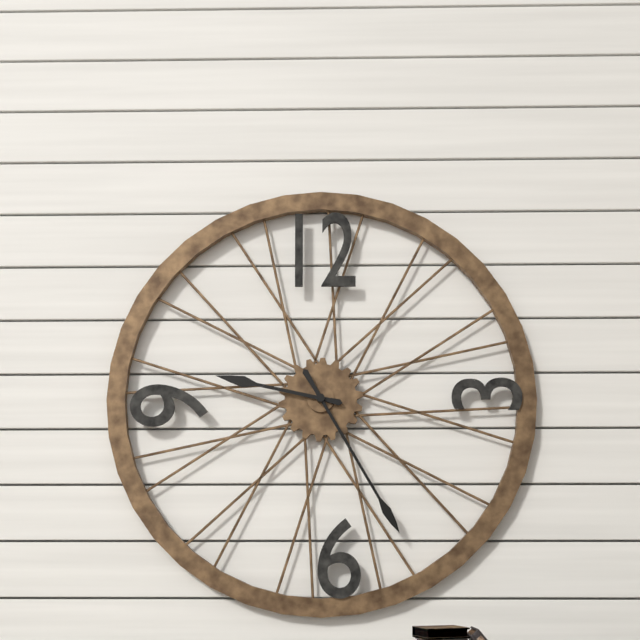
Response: 9:25
